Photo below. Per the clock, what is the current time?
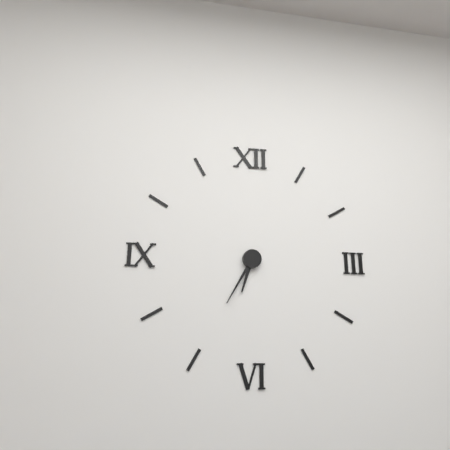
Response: 6:35
